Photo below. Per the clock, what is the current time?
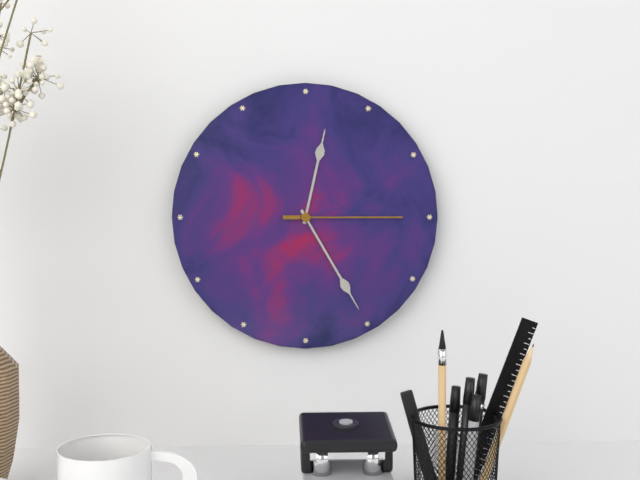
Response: 12:25:15
